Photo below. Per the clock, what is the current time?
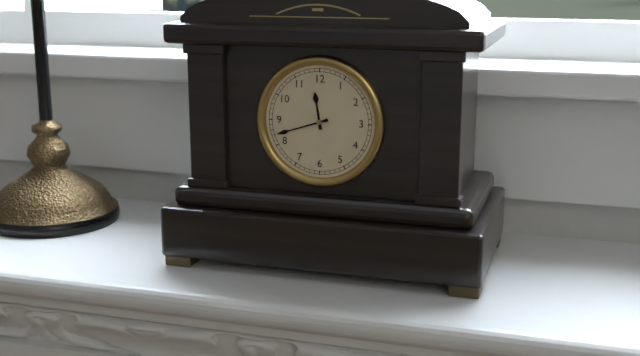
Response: 11:42
